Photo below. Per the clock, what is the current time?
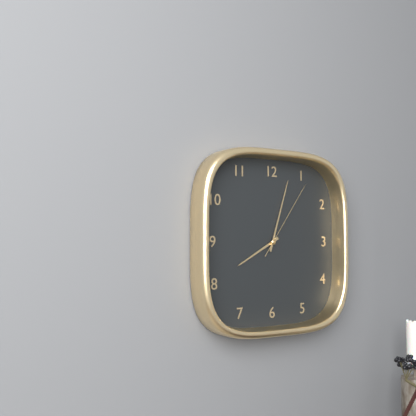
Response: 8:03:06
